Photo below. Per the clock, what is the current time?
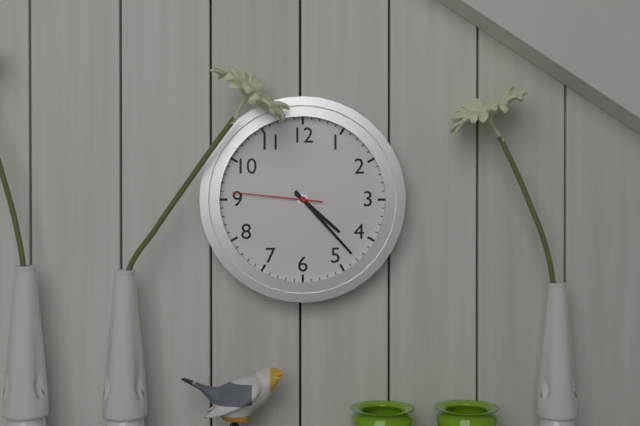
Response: 4:23:46
